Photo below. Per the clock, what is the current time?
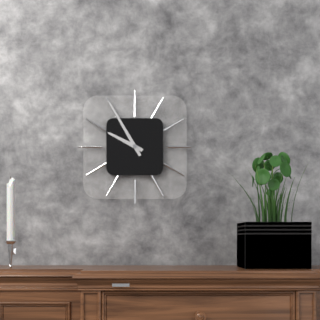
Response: 9:55
